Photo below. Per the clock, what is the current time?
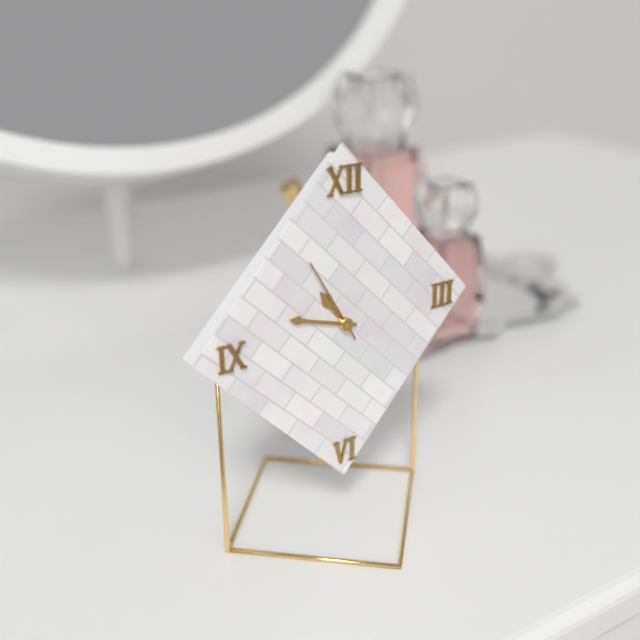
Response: 10:48:55
